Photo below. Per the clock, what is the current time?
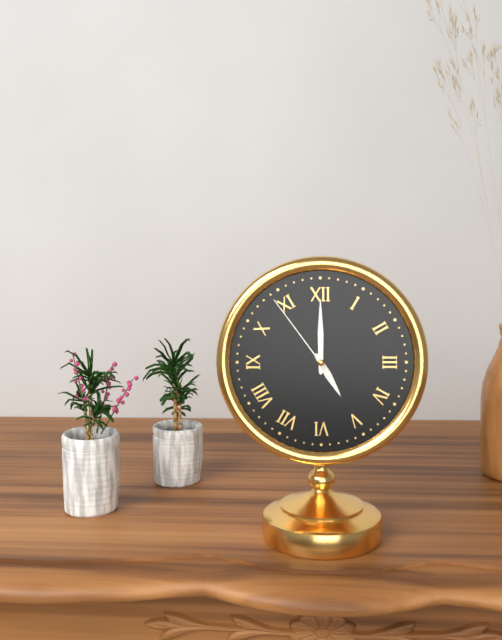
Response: 5:00:54
